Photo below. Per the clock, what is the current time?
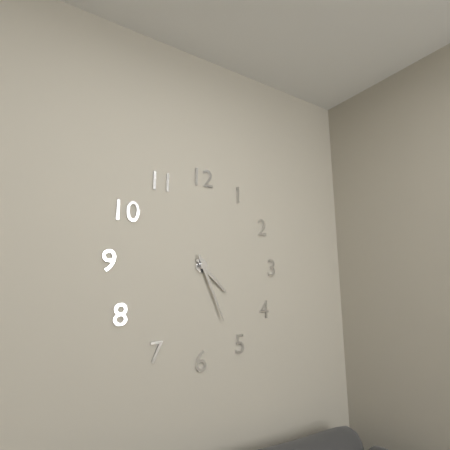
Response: 4:26
